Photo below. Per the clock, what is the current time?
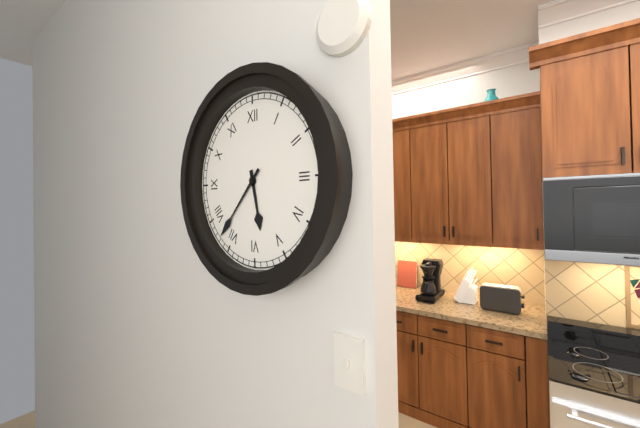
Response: 5:37
